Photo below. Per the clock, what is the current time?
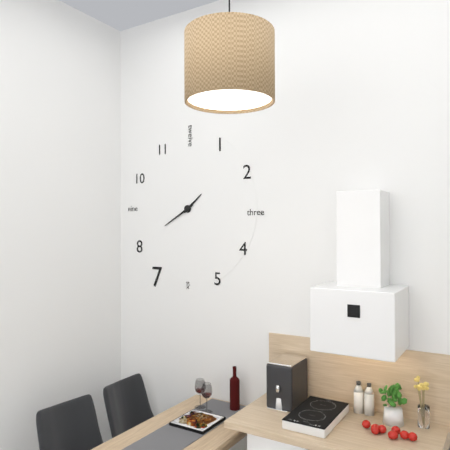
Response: 1:40
